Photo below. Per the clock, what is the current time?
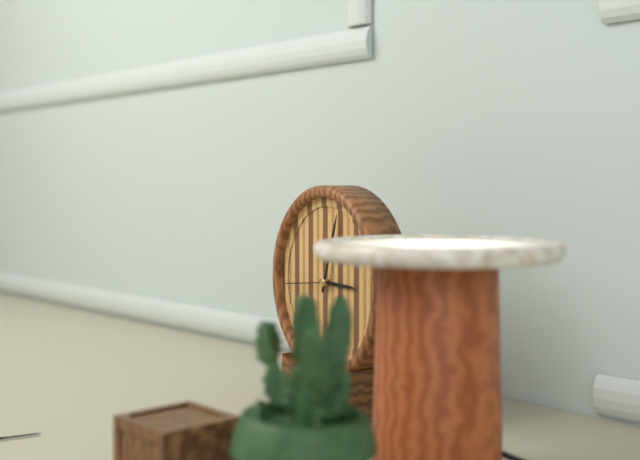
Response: 3:03
